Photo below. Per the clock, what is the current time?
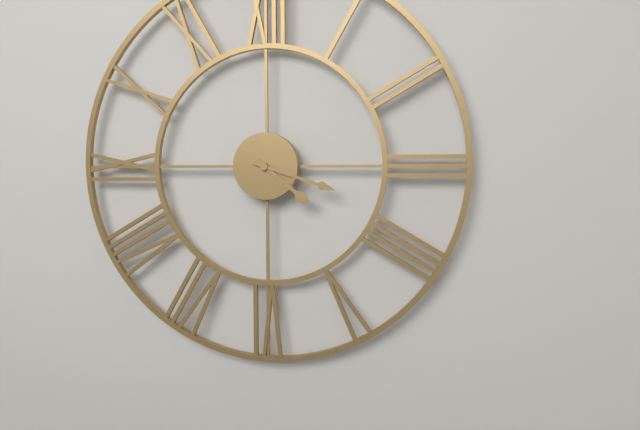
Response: 4:18
